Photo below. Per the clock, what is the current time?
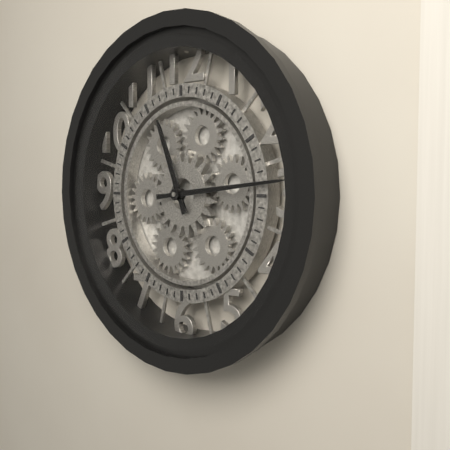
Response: 11:14
